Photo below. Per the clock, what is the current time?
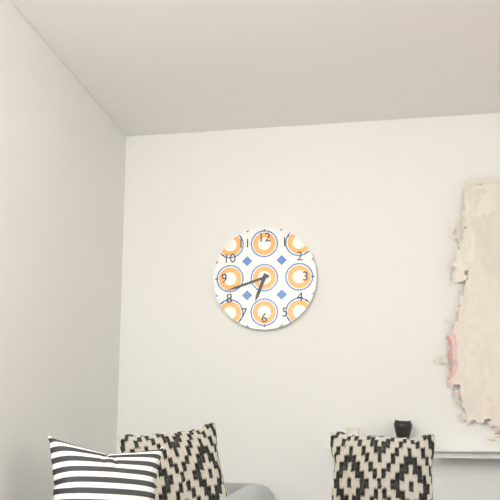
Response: 6:42
